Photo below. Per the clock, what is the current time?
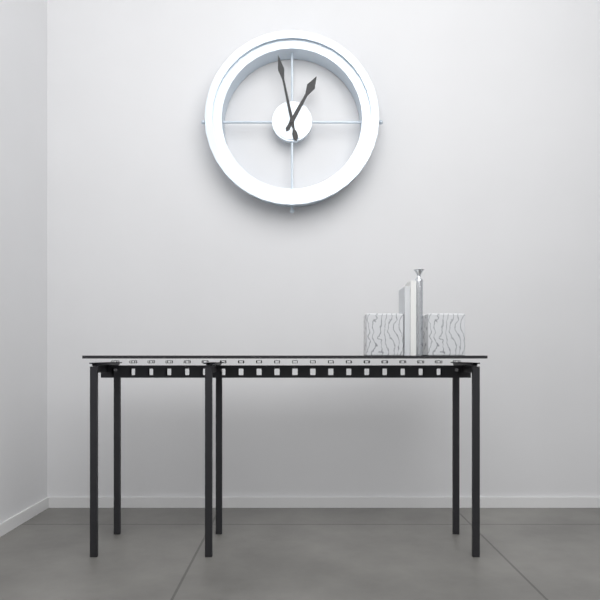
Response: 12:58
